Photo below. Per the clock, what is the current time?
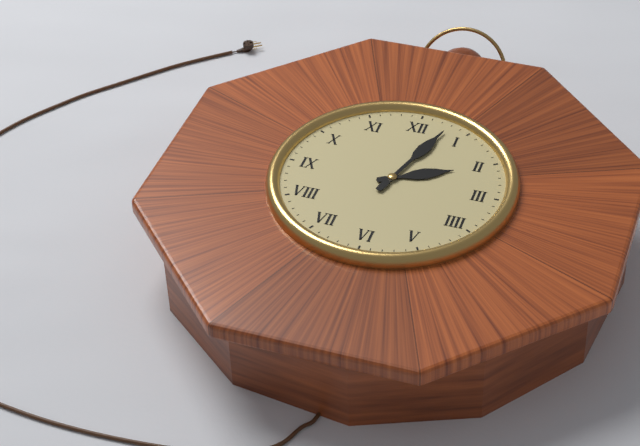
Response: 2:03
